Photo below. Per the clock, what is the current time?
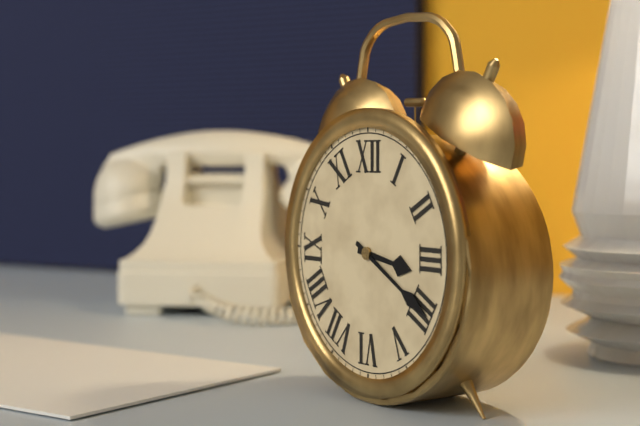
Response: 3:20
